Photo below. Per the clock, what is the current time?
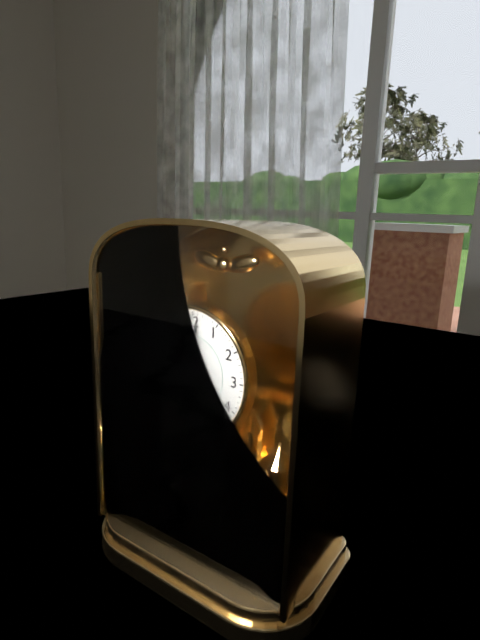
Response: 4:01:56
